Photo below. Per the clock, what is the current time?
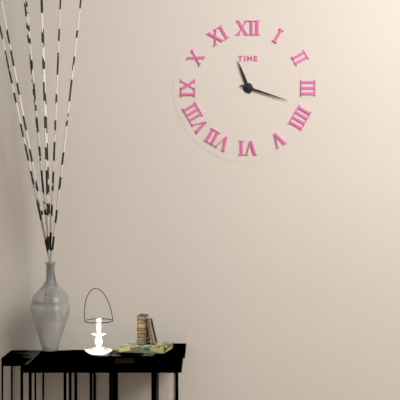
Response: 11:18
